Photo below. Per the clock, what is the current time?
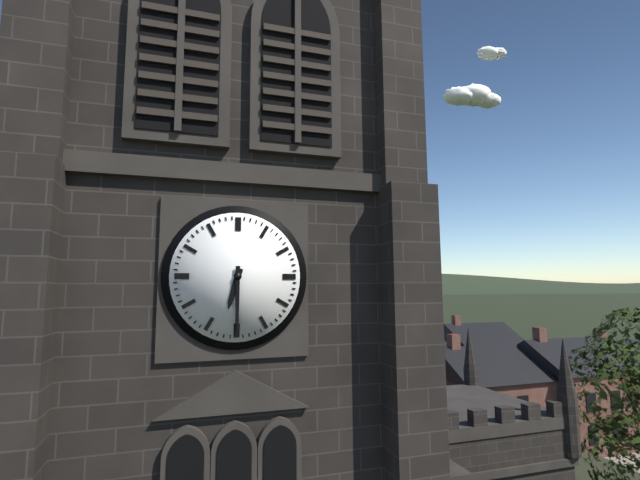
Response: 6:30
